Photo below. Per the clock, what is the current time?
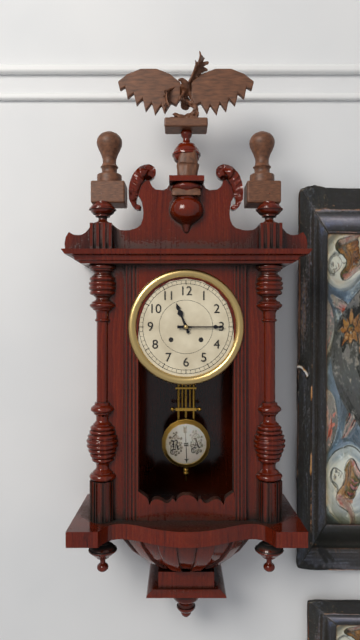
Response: 11:15
